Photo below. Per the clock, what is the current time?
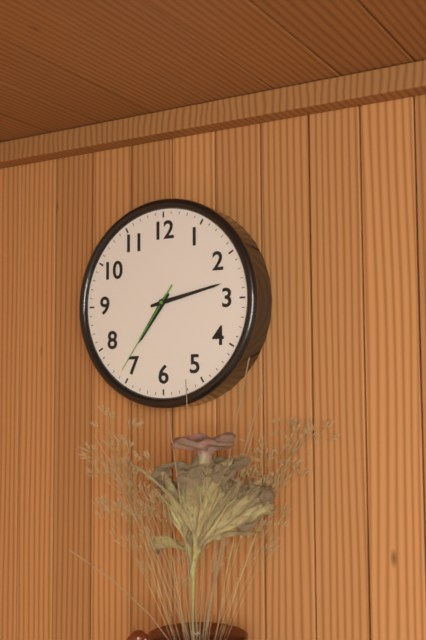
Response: 7:13:36
